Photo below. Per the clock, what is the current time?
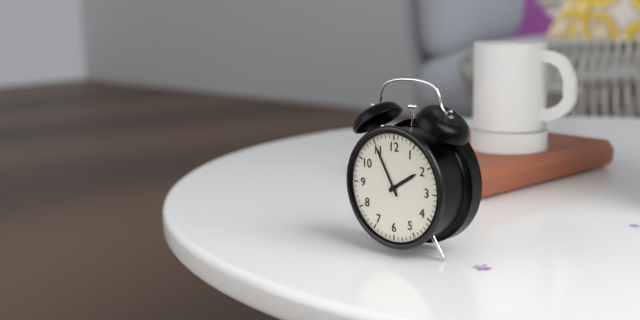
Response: 1:55
